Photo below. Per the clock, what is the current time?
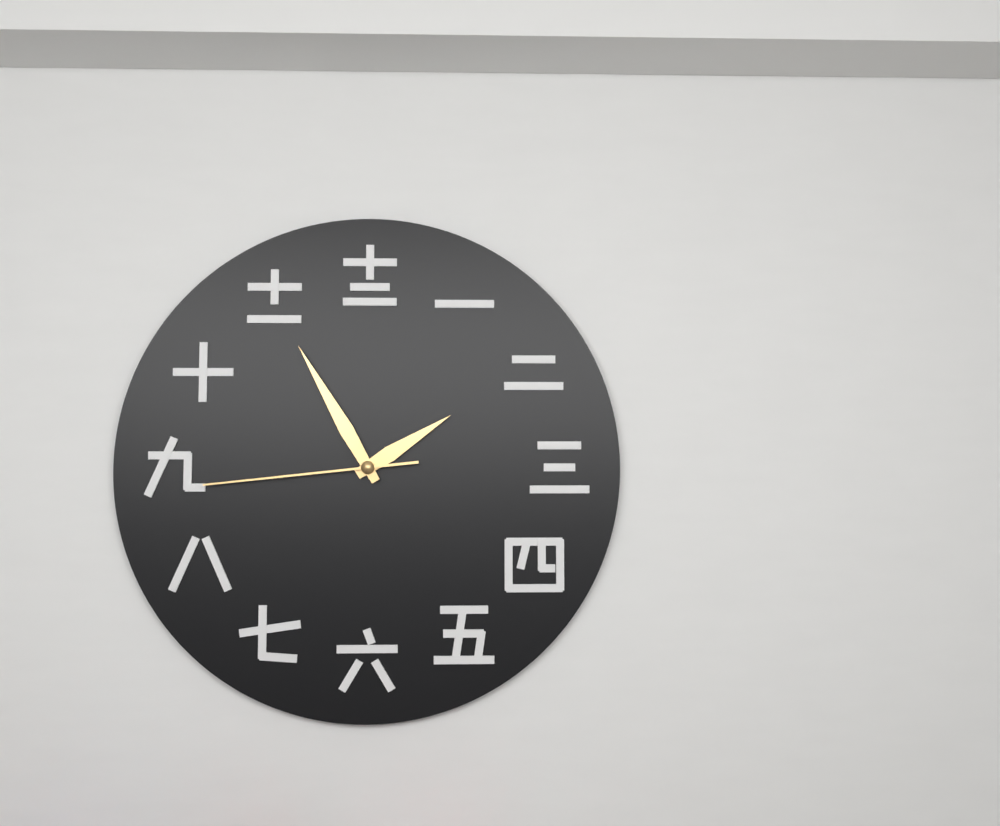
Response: 1:55:44
